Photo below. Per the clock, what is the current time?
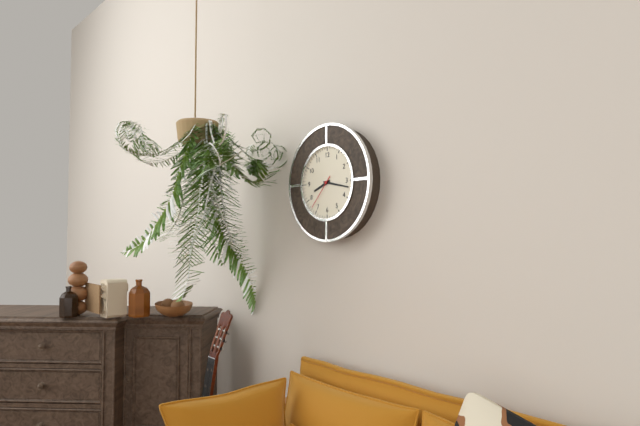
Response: 8:17
